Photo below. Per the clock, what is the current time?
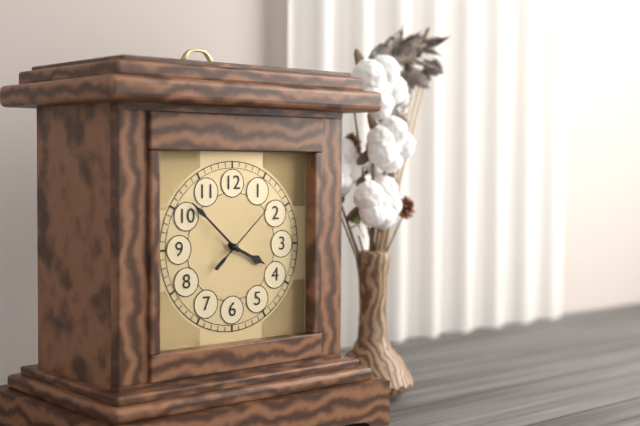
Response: 3:52:08
